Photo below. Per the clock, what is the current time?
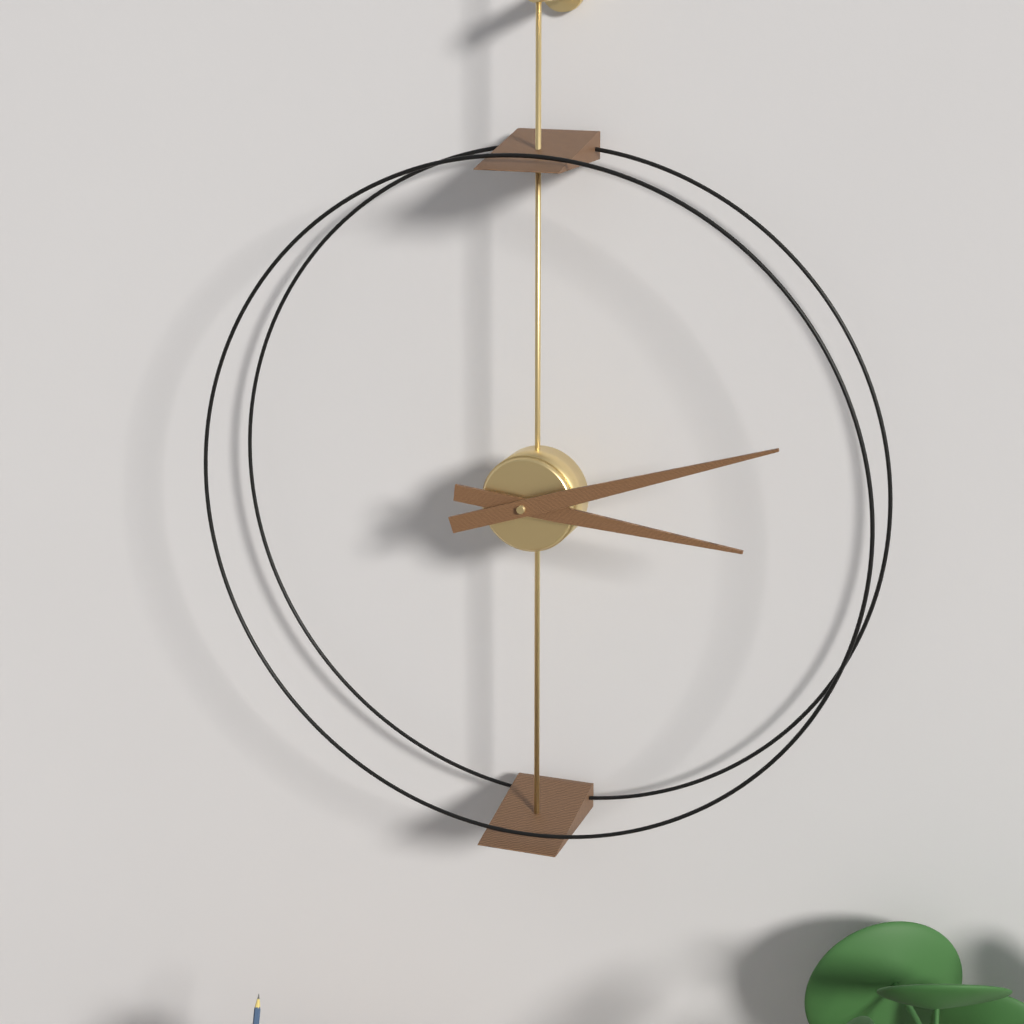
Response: 3:12
